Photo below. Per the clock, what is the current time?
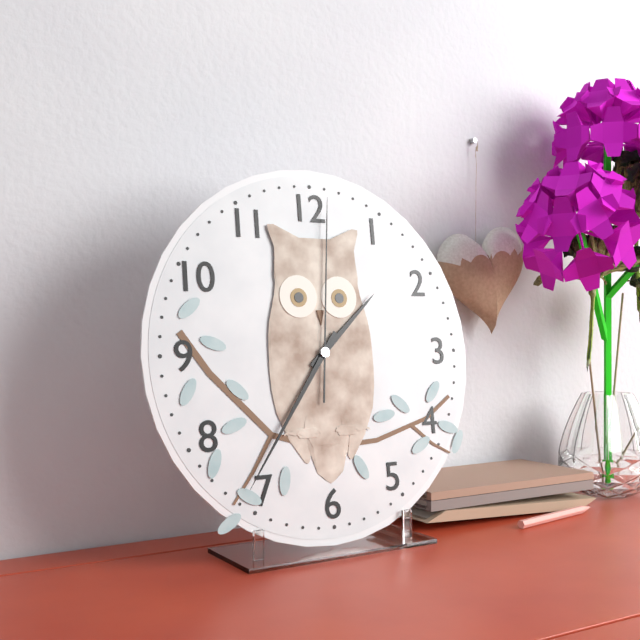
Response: 1:36:01
